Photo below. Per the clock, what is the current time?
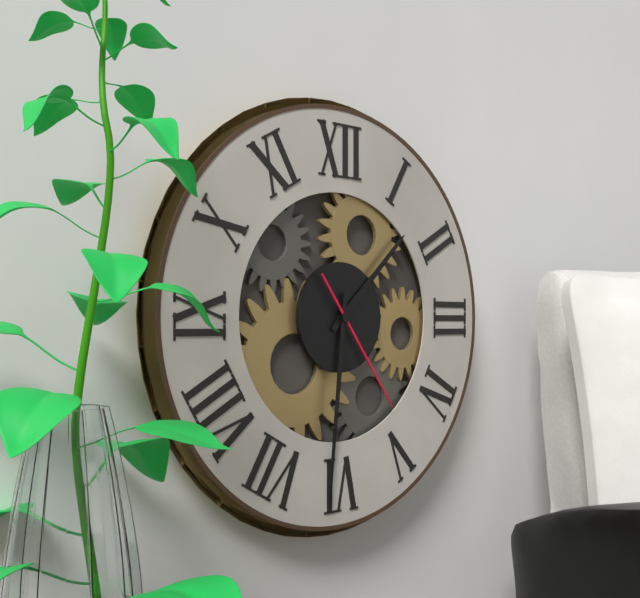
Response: 1:31:24
